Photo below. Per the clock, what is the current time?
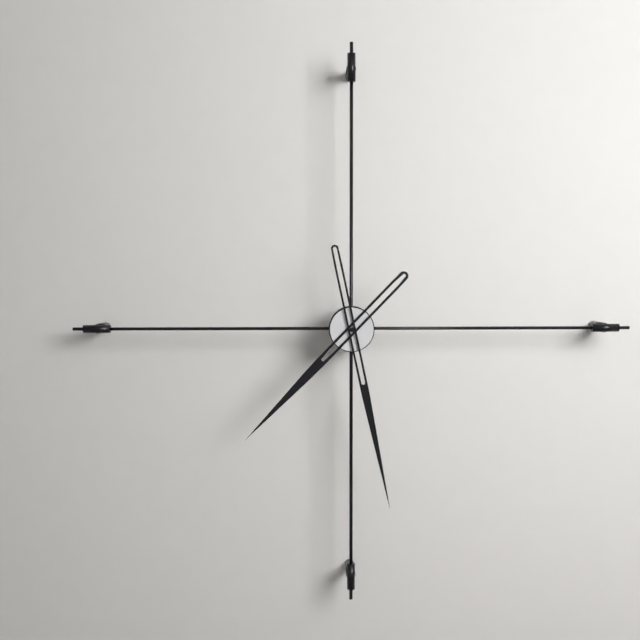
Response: 7:28
